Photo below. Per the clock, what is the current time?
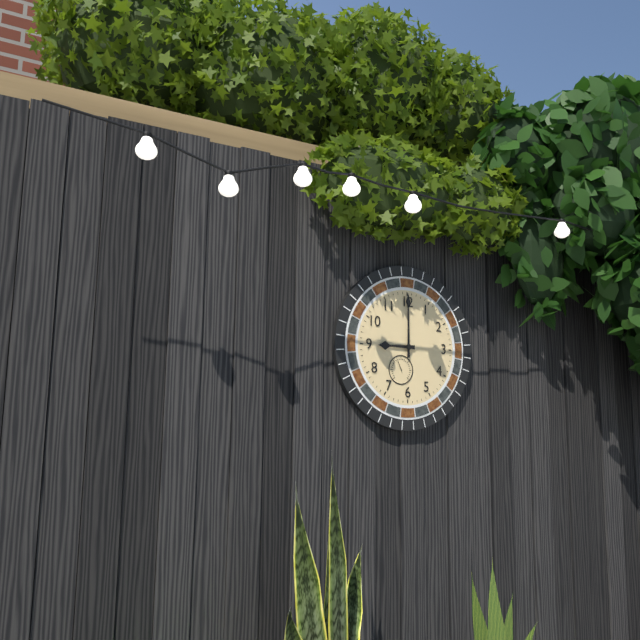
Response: 9:00
